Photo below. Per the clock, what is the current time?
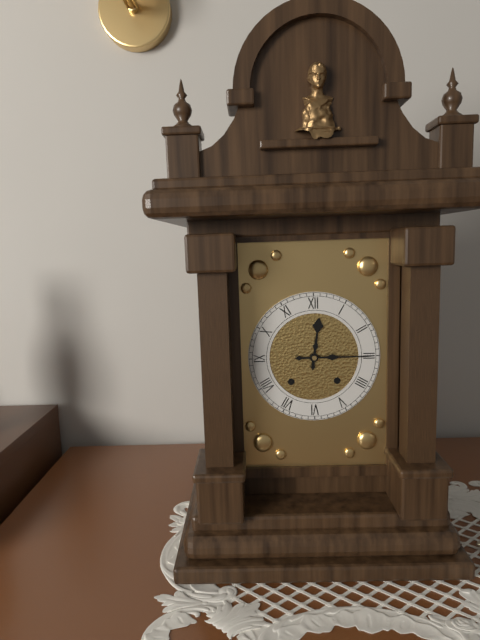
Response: 12:15
